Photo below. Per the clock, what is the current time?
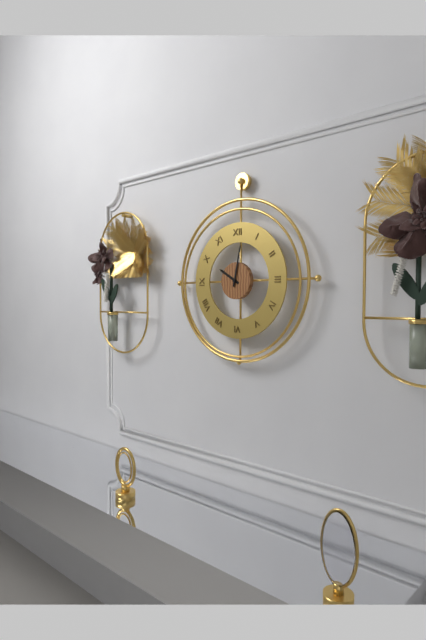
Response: 10:02
